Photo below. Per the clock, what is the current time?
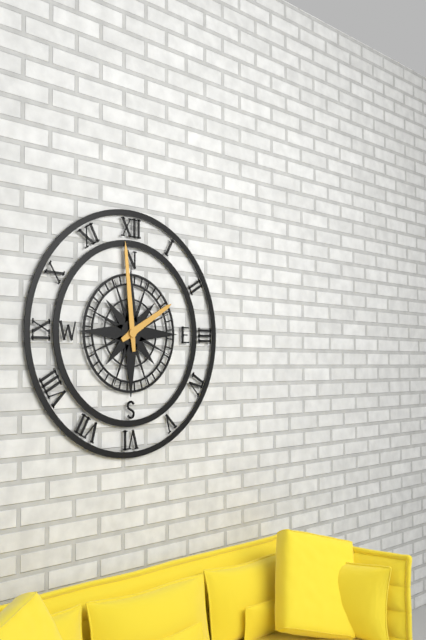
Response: 1:59
